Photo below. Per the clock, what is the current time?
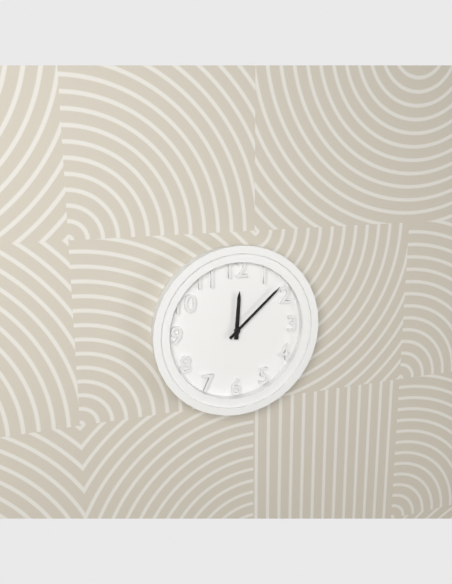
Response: 12:08
